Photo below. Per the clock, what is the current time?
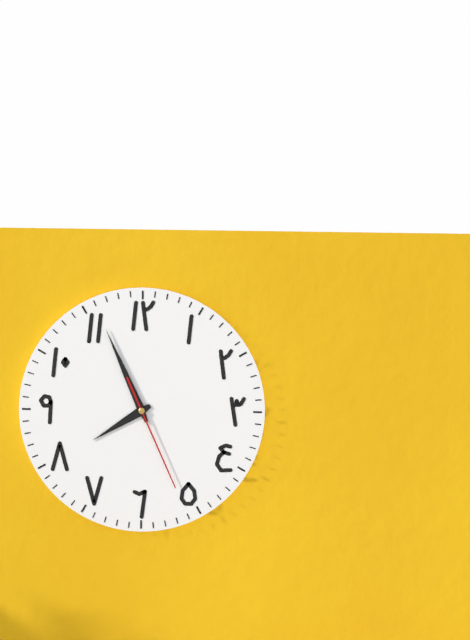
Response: 7:56:26
